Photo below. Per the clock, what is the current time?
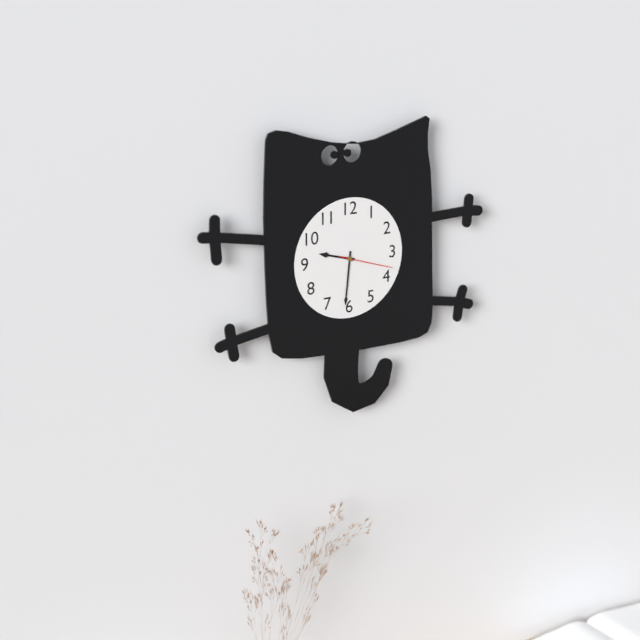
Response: 9:31:18
